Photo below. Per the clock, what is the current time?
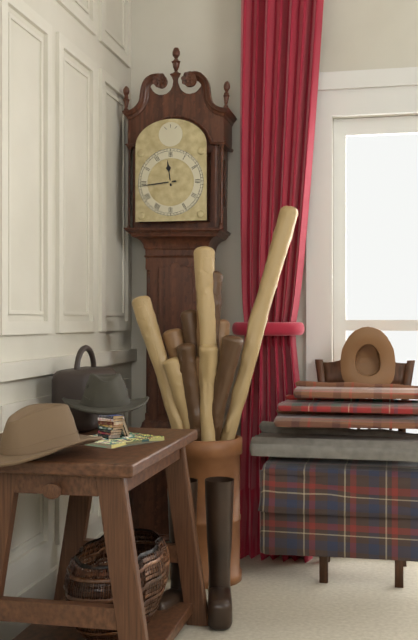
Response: 11:44
